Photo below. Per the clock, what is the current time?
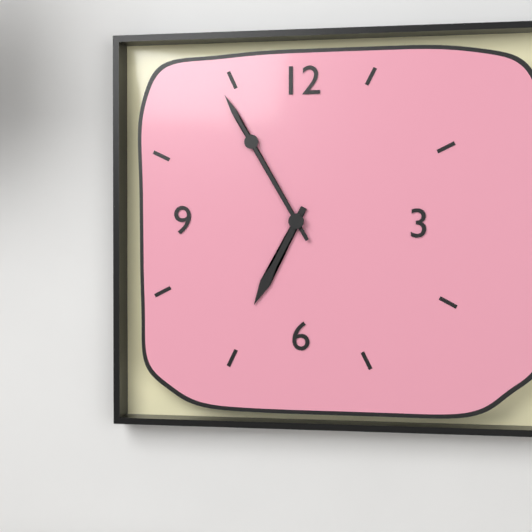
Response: 6:55
